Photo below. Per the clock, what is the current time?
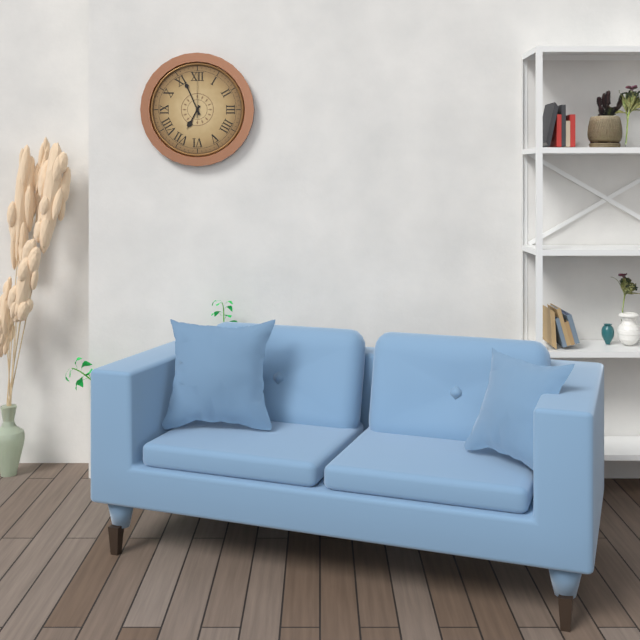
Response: 6:56
